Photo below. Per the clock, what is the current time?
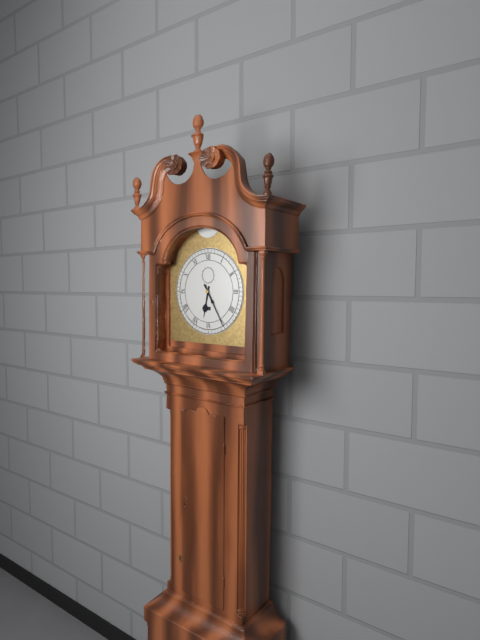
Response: 6:25
